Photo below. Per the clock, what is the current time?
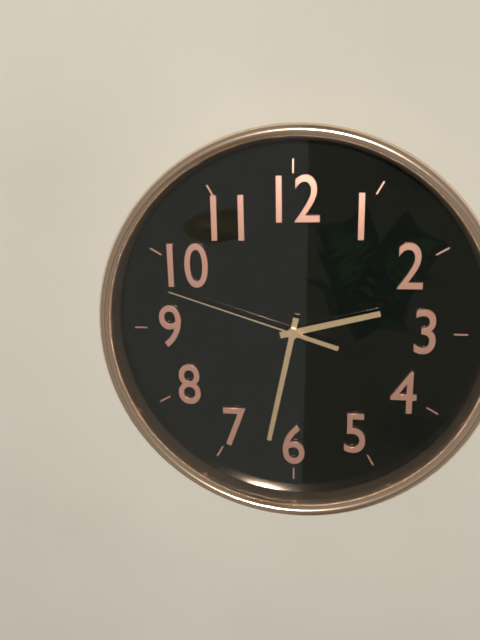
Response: 2:32:48
